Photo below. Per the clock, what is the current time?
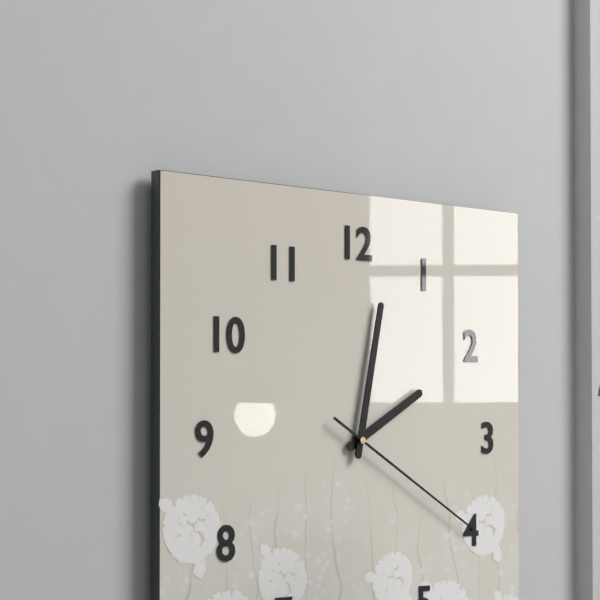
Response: 2:02:20
